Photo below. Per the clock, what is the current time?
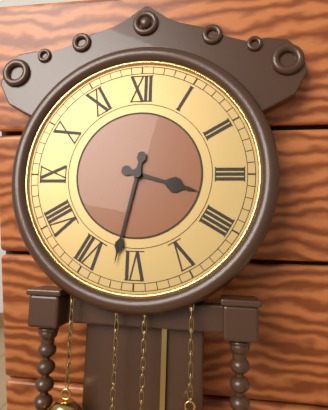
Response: 3:32
